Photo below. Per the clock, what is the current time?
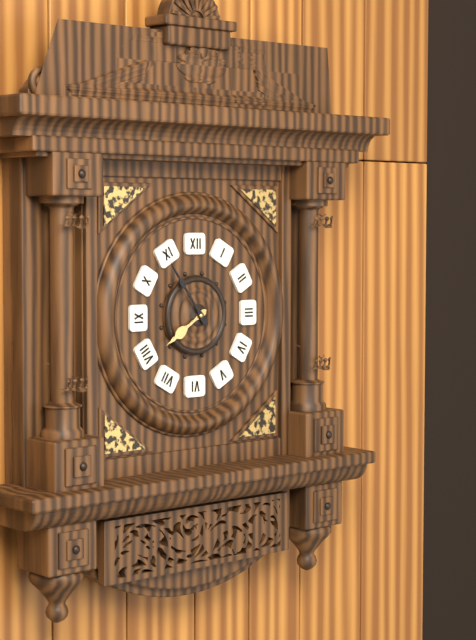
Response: 7:54
